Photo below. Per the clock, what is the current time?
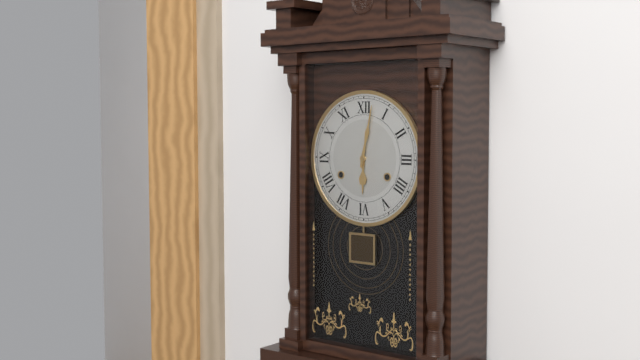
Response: 6:02
